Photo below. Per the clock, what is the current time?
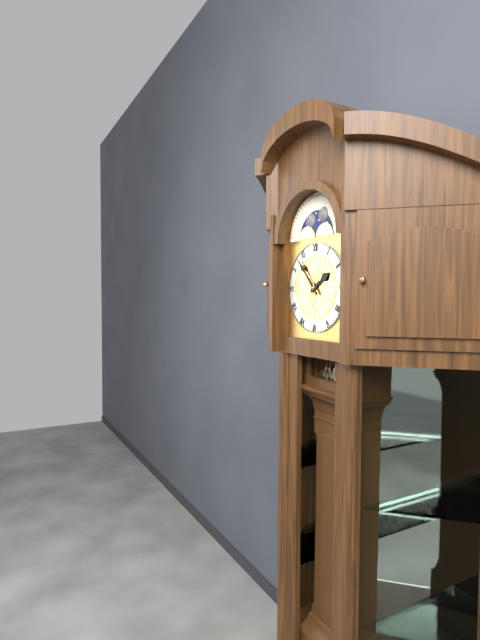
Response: 1:53
